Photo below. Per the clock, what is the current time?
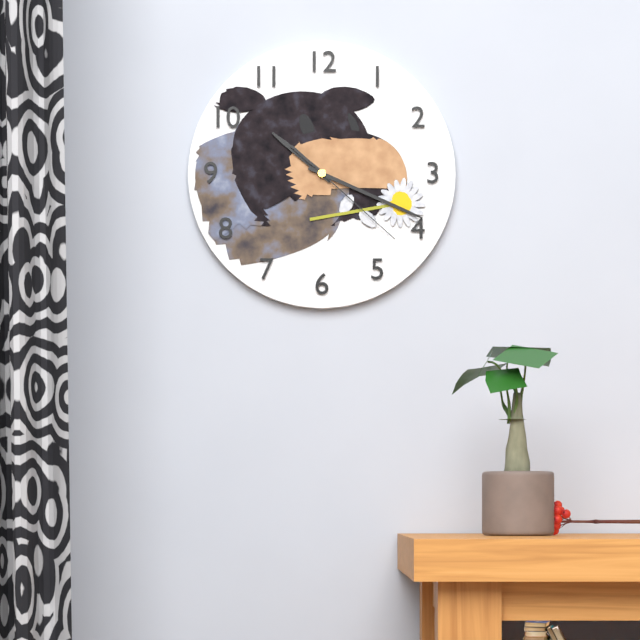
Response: 10:19:22
